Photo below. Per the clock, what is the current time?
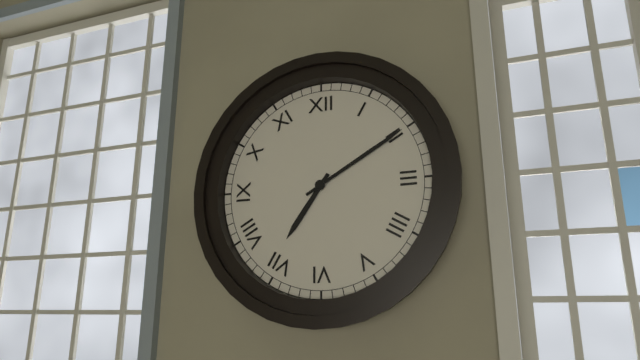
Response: 7:10
